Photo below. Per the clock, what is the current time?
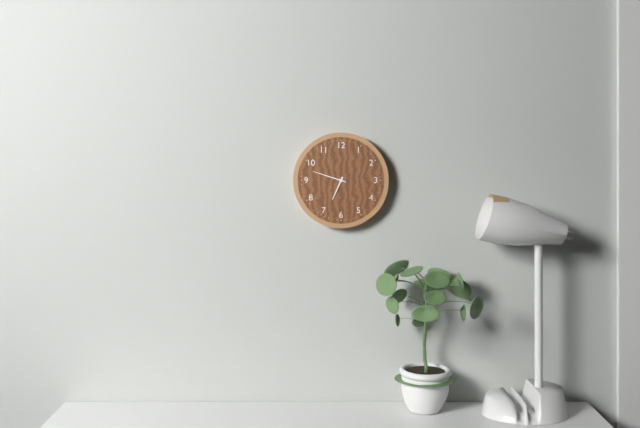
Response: 6:48
